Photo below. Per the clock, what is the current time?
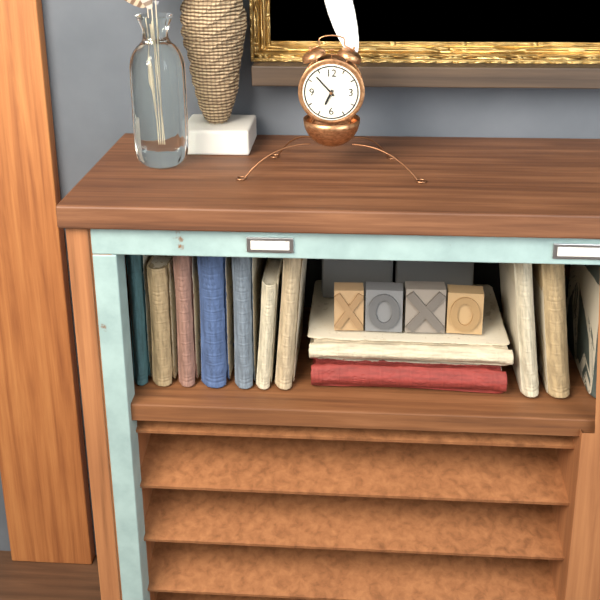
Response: 6:53
